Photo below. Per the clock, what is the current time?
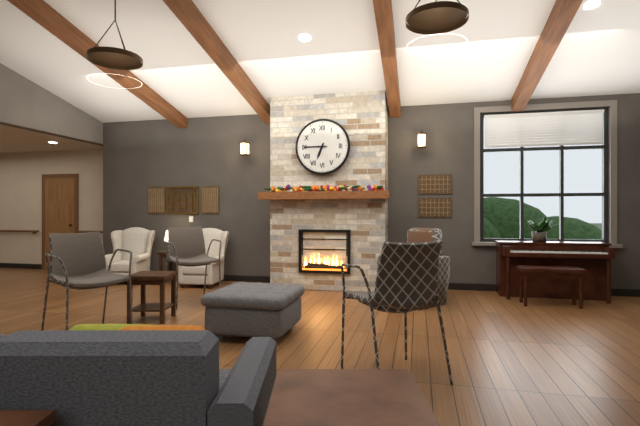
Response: 6:45
